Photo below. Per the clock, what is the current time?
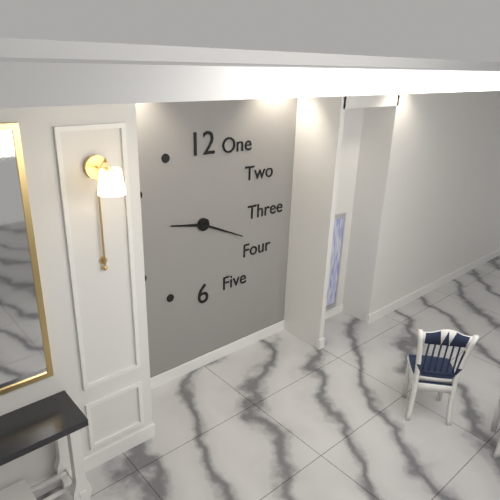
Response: 9:19
